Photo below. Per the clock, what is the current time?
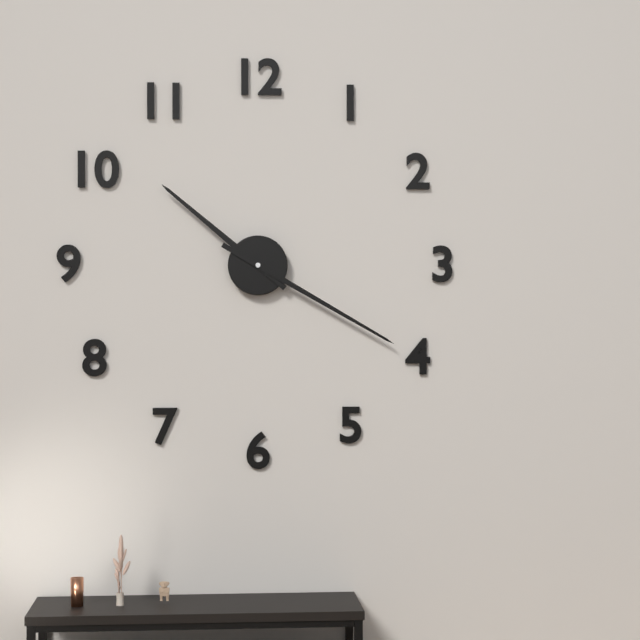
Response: 10:20
